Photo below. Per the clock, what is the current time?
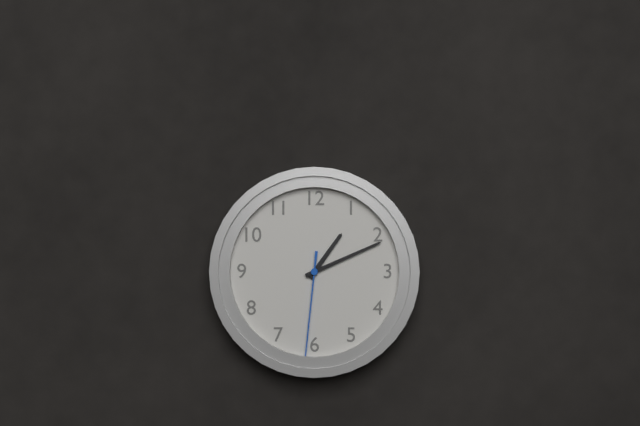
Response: 1:11:31
